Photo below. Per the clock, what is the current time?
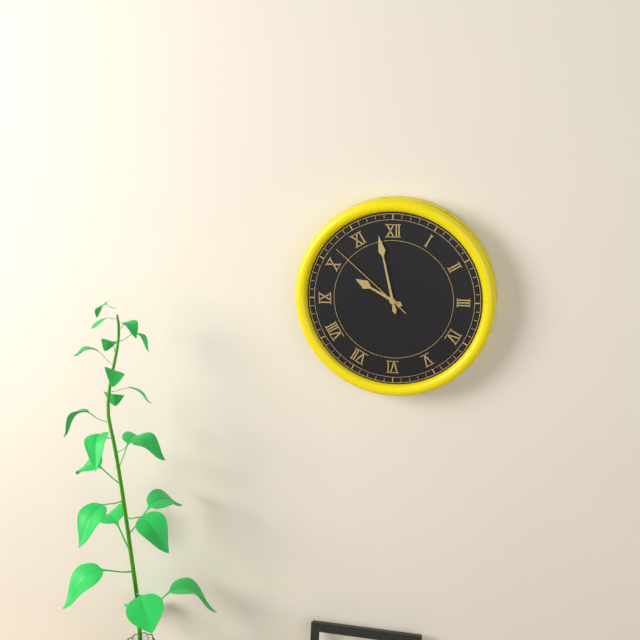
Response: 9:58:52
